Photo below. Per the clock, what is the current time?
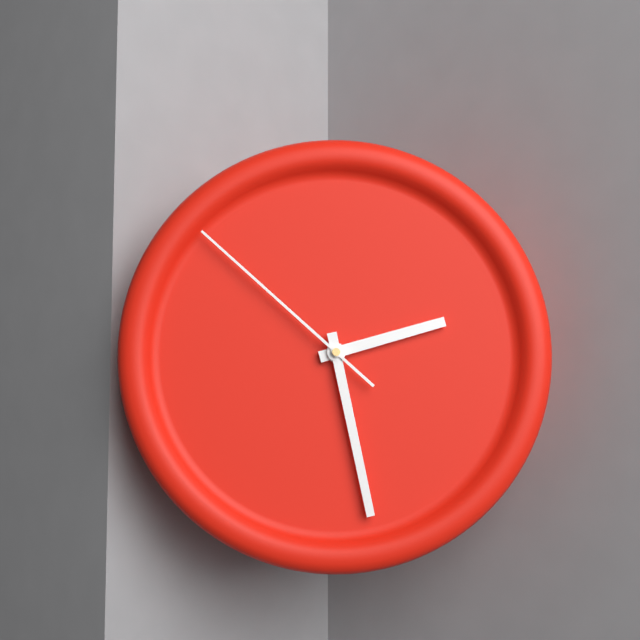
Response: 2:28:52
